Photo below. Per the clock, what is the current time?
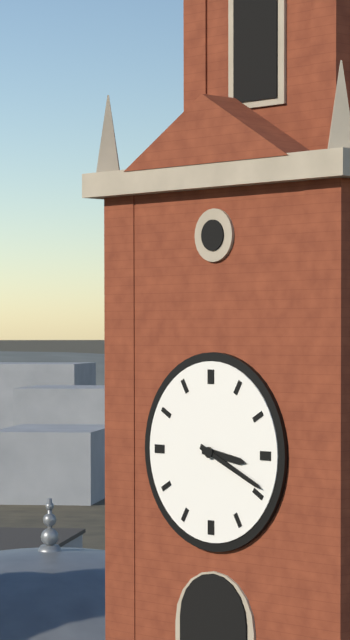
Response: 3:19
